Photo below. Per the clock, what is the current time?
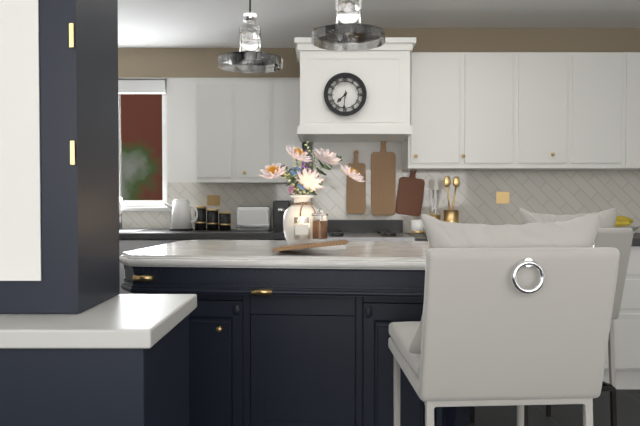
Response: 7:31
